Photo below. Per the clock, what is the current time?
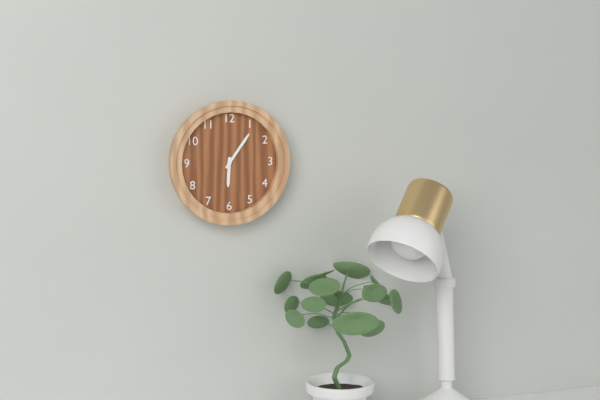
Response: 6:06
